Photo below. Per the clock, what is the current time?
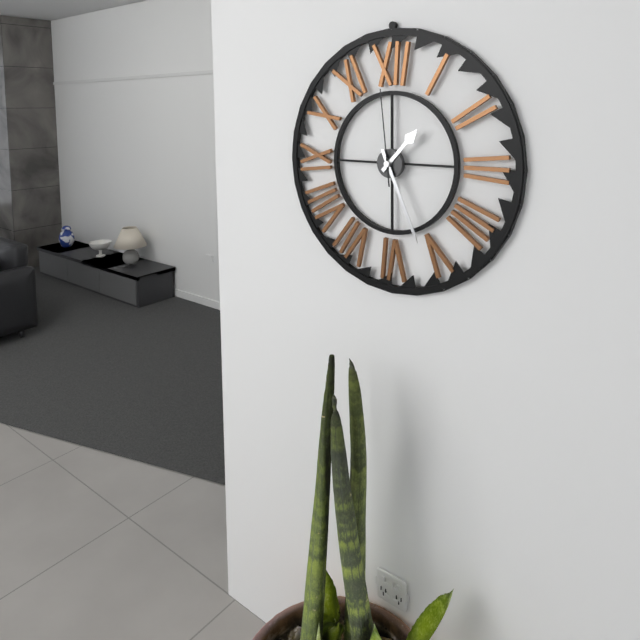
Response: 1:26:59
